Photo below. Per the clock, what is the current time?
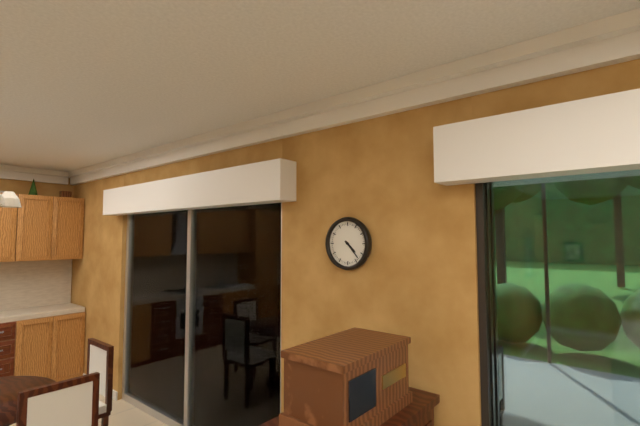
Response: 4:23
